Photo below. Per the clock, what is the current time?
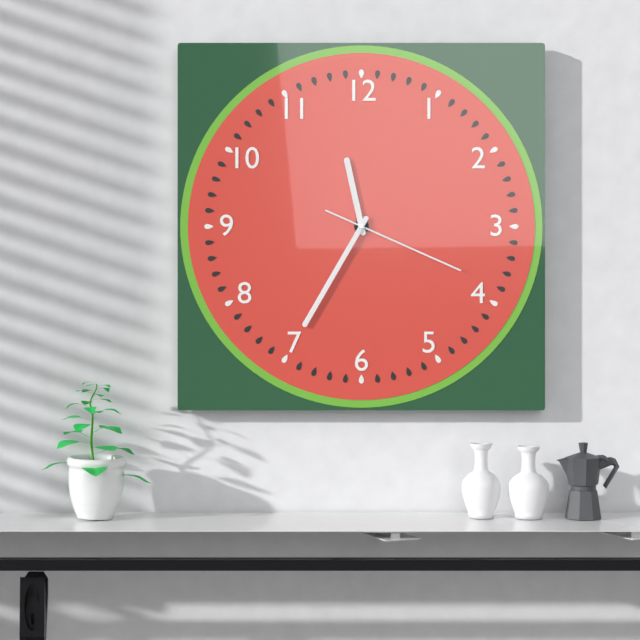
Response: 11:35:19
